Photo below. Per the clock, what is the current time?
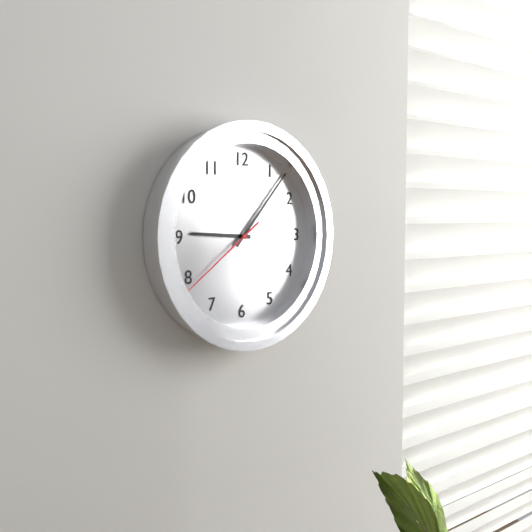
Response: 9:07:39
